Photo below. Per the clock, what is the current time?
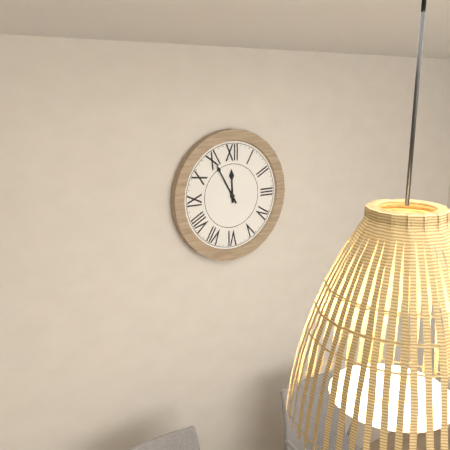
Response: 11:55
